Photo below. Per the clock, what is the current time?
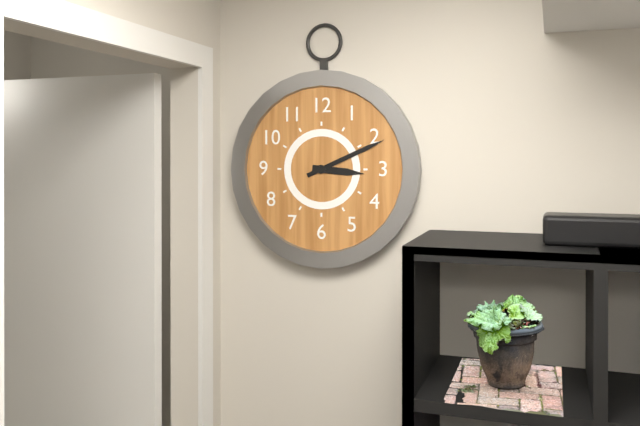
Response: 3:11
